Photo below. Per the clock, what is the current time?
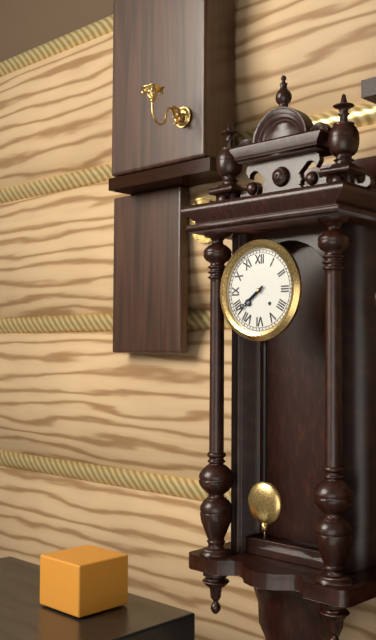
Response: 7:39
